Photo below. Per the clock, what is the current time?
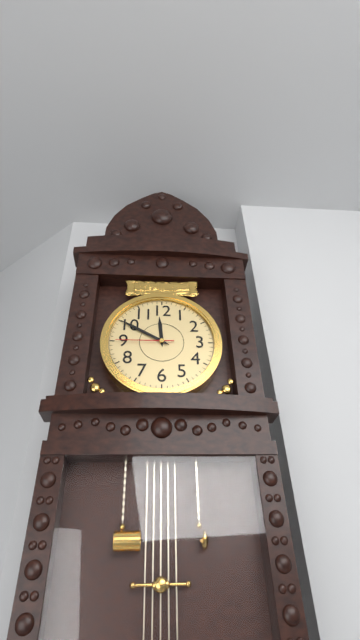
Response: 11:50:45
